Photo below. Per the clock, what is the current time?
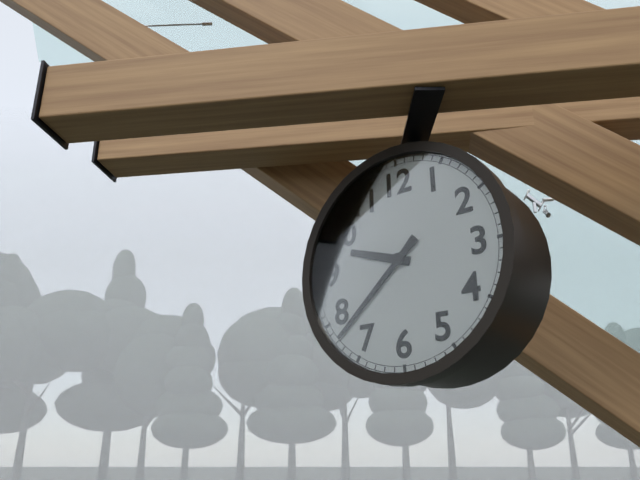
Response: 9:38
